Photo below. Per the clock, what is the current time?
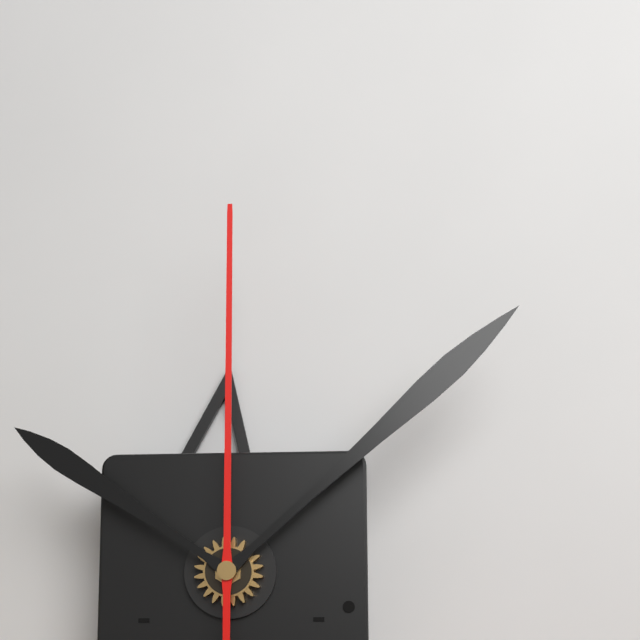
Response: 10:08:00
